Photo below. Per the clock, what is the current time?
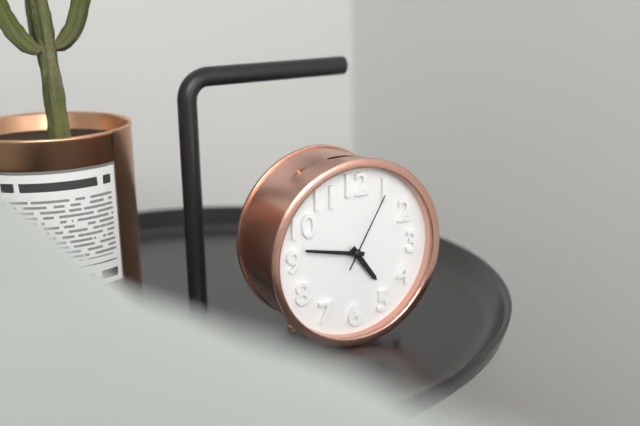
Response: 4:47:05
